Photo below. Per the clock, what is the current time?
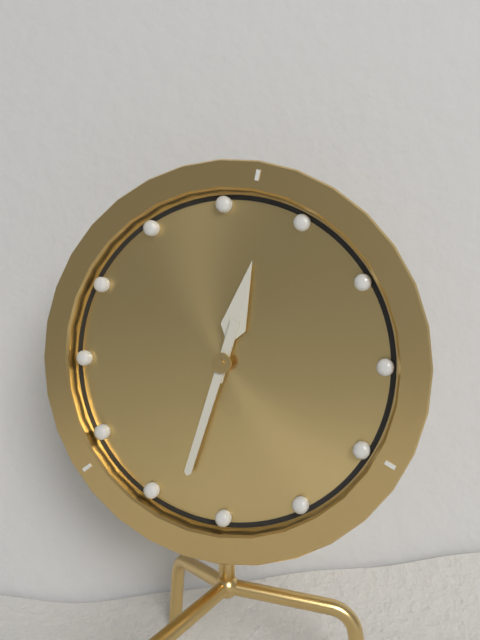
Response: 12:33
